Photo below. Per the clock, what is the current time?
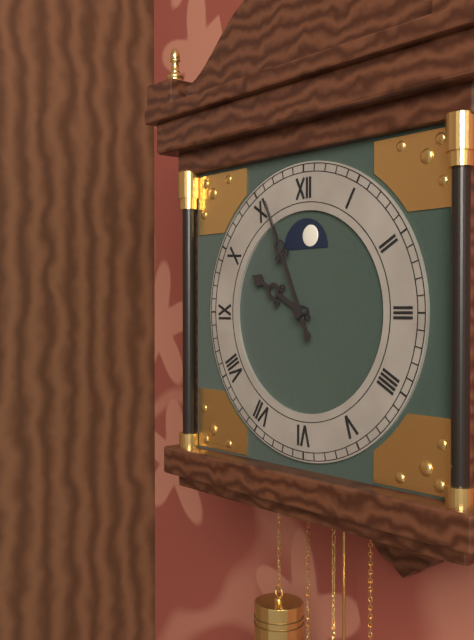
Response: 9:56
